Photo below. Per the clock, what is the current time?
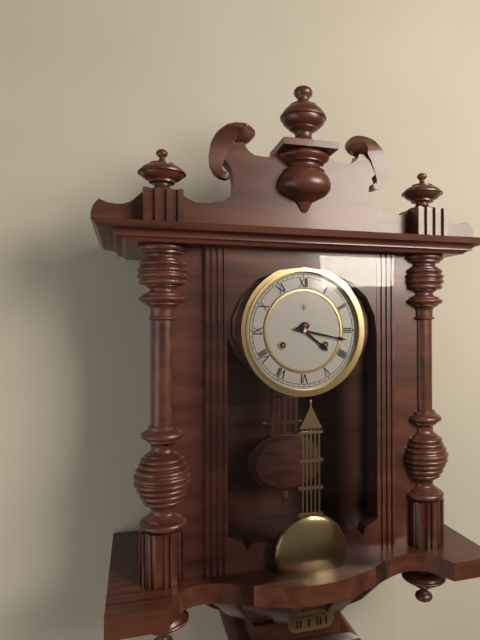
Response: 4:17
